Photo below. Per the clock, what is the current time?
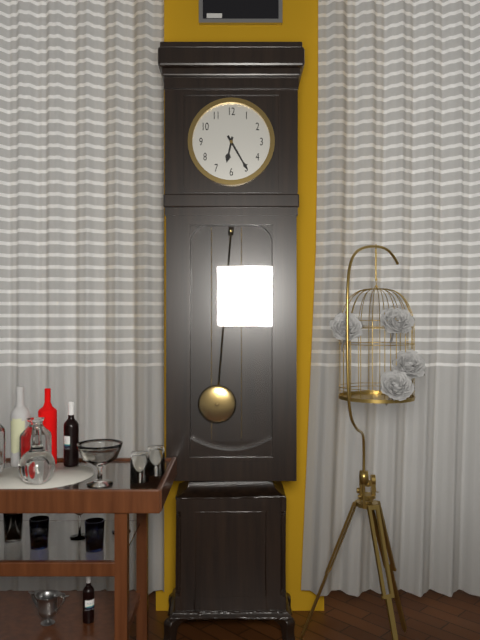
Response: 6:25
